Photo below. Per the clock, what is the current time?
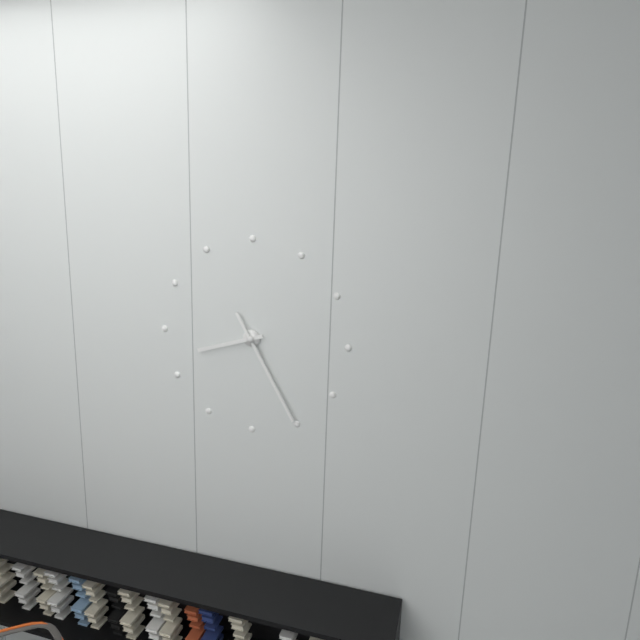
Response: 8:25
